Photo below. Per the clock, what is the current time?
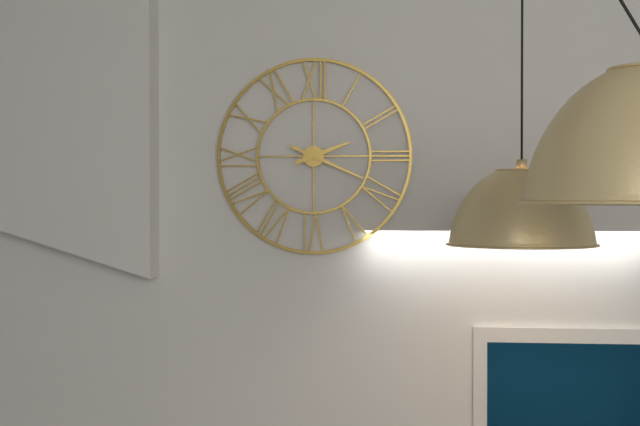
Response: 2:19
